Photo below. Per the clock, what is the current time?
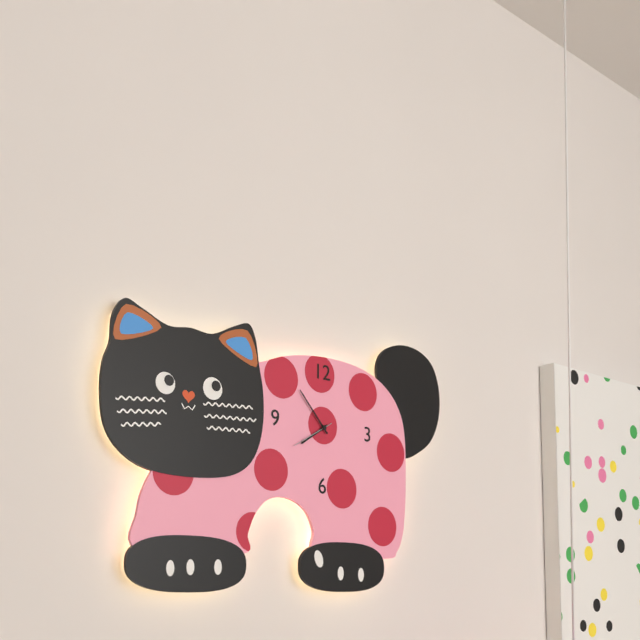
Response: 7:53
